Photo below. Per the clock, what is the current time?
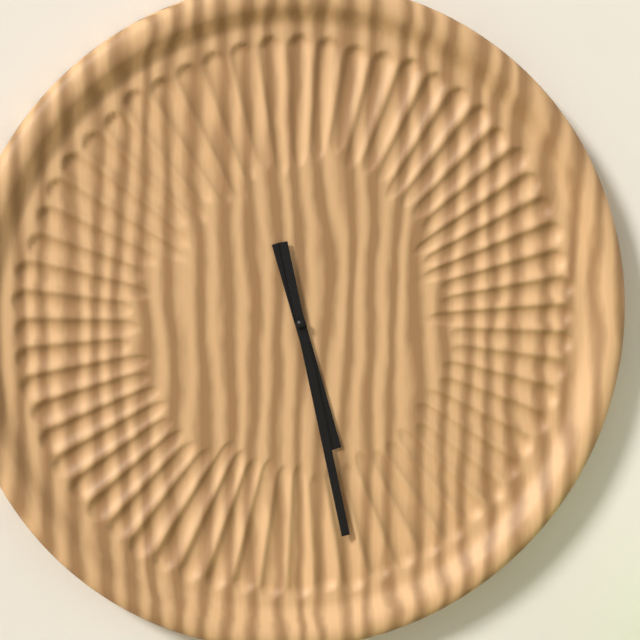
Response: 5:28
